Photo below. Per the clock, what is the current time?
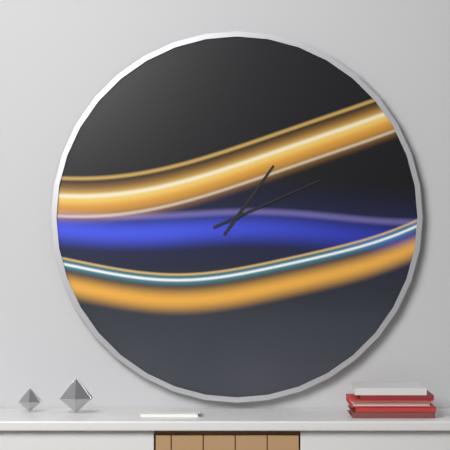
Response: 1:11
